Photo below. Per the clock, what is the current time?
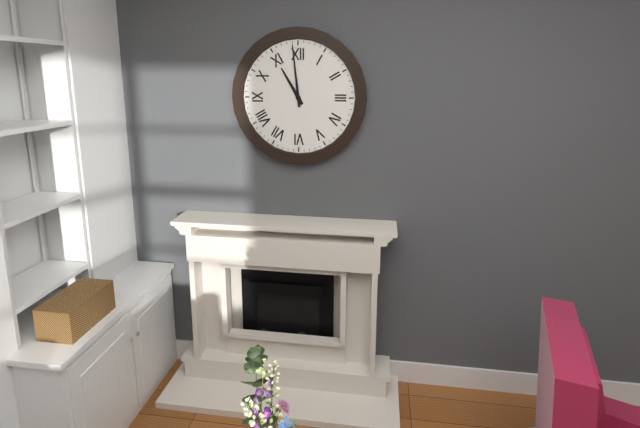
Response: 10:59
